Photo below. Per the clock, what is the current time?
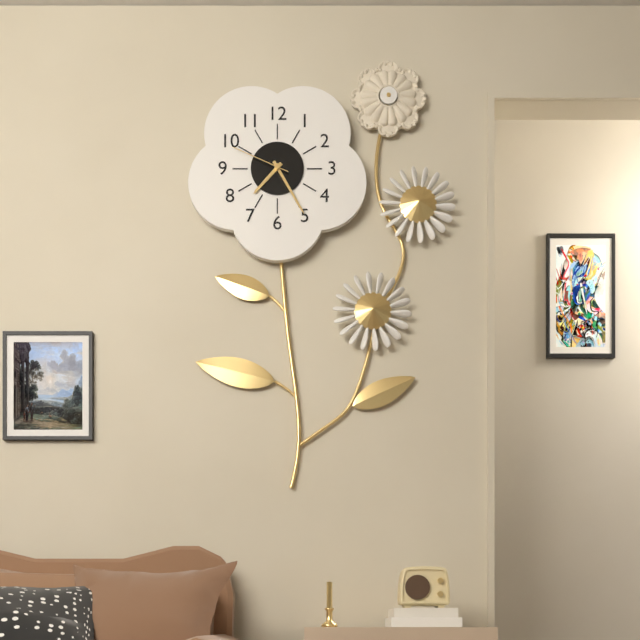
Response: 7:25:49
